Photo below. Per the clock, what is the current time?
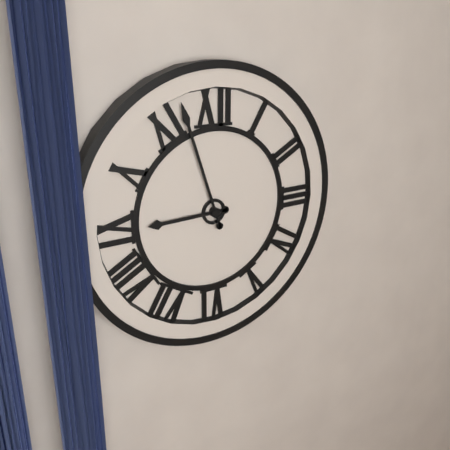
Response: 8:57
